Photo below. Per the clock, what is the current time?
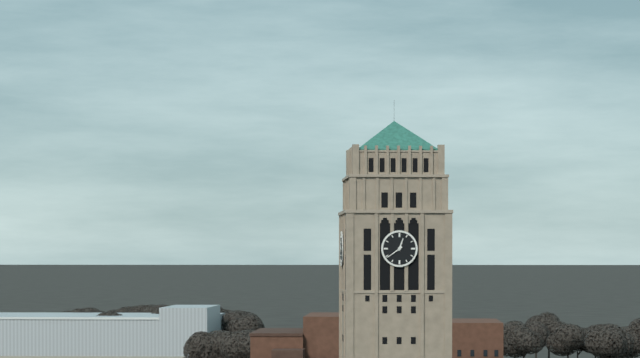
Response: 12:39
